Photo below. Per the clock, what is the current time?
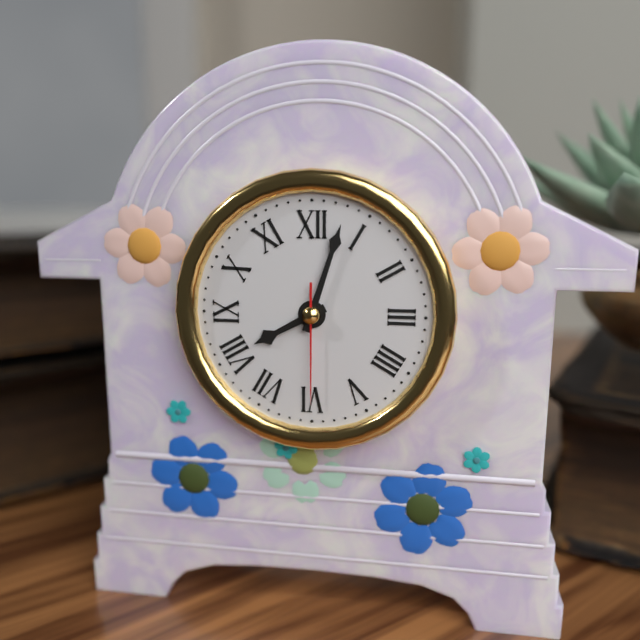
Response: 8:03:30
